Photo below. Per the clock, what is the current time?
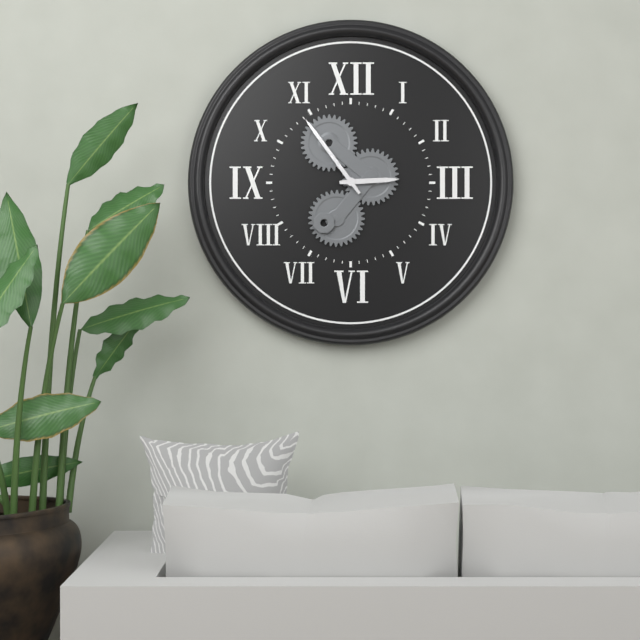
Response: 2:54
